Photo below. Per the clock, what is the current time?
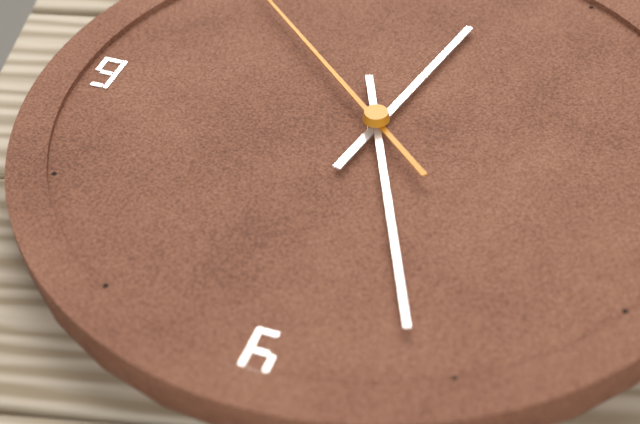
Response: 12:26
